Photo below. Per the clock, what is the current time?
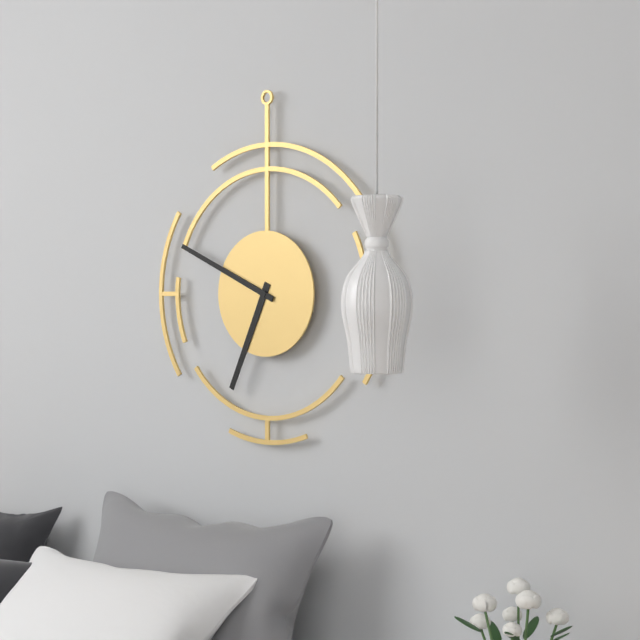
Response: 6:49
